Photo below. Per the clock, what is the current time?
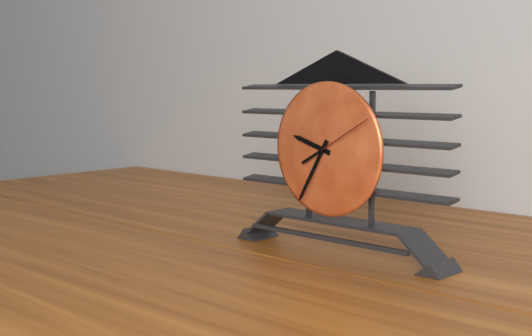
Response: 9:35:10
